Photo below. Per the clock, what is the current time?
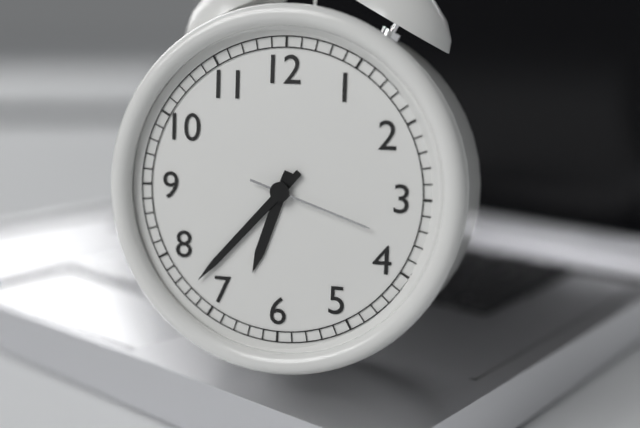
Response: 6:37:18
